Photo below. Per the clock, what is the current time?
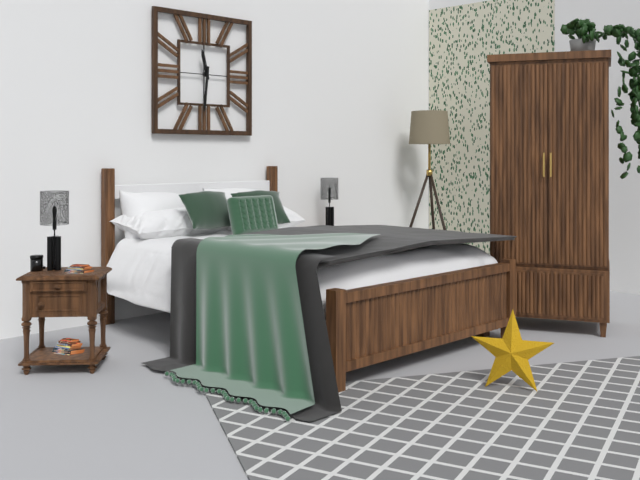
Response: 11:31
